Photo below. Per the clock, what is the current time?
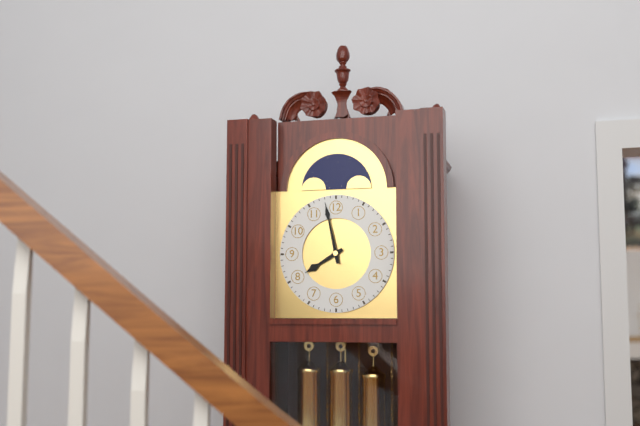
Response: 7:58
